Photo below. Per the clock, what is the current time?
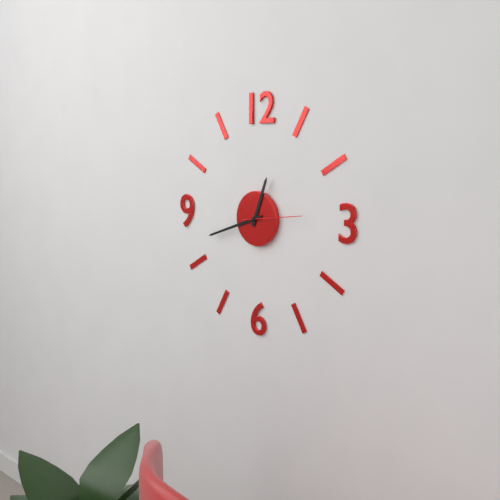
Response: 12:42:14
